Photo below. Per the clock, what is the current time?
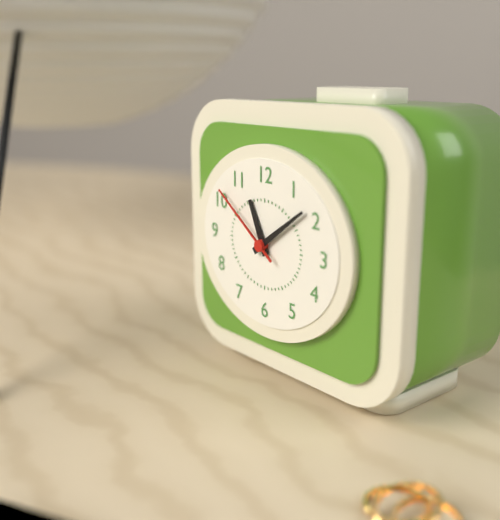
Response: 11:09:51
